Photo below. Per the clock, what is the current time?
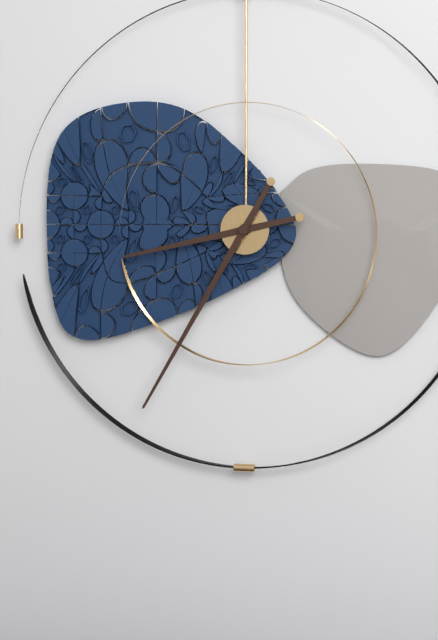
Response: 8:35
